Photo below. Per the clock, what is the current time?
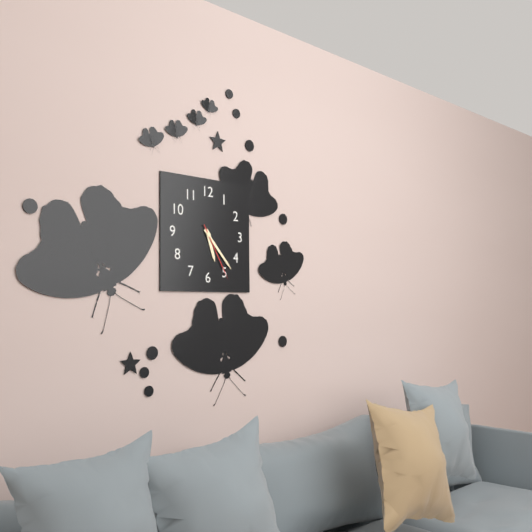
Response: 5:23:25
